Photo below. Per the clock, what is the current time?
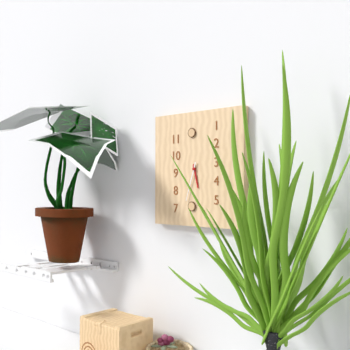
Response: 5:33
